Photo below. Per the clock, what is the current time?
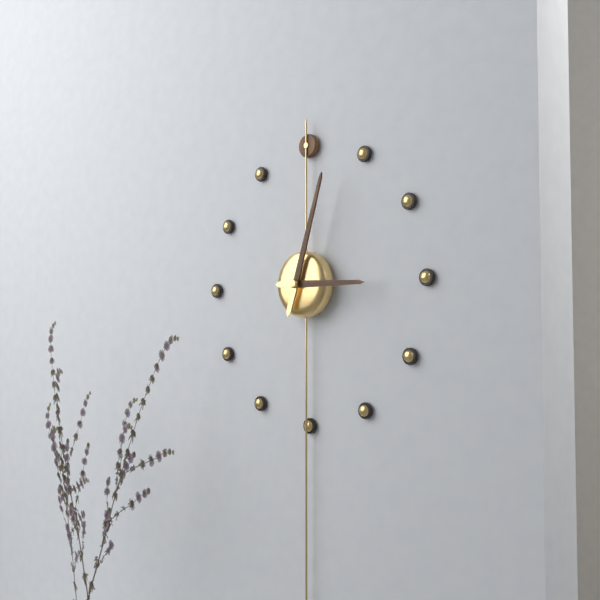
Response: 3:03
